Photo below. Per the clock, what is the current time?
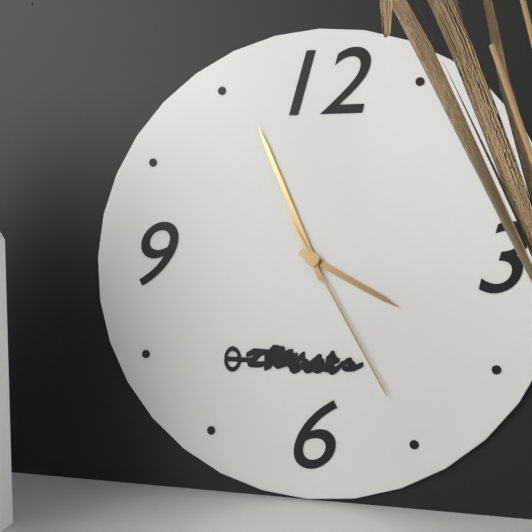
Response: 3:56:25
